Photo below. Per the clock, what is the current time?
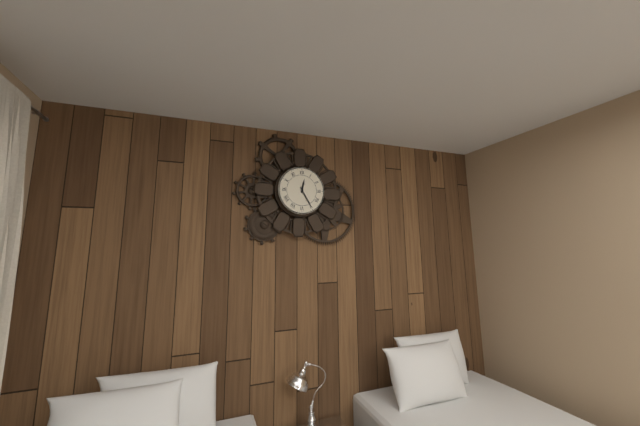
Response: 12:25
